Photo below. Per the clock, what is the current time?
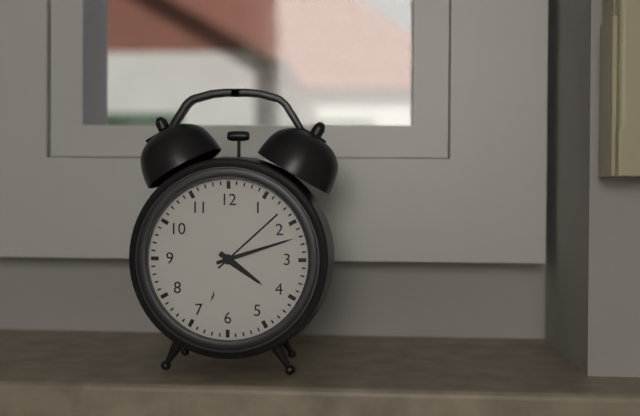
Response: 4:12
